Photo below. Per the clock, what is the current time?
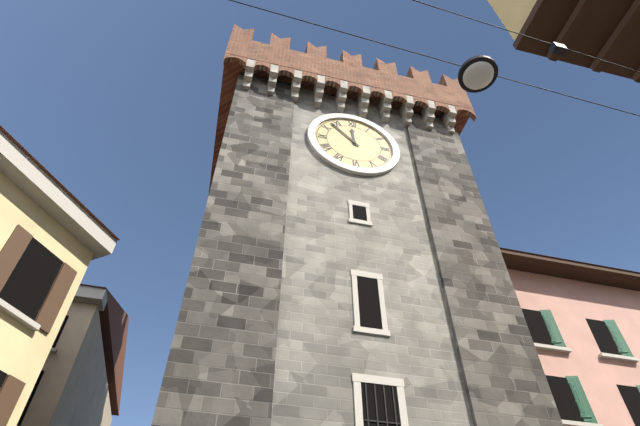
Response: 11:53
